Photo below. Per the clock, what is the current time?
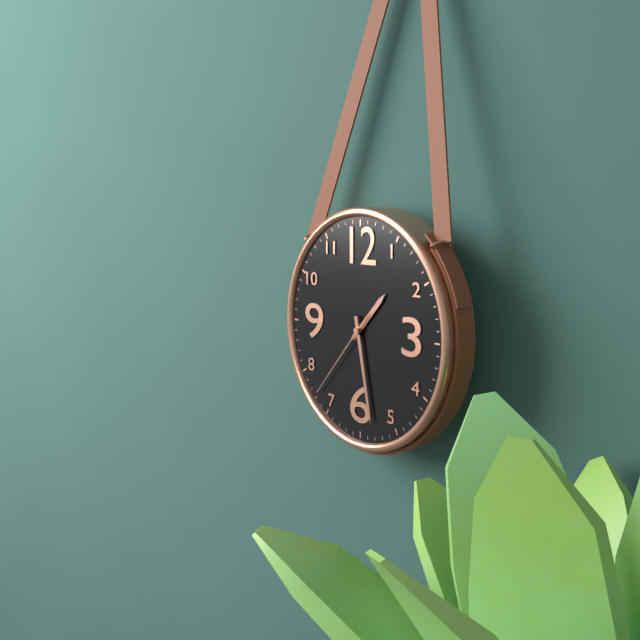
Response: 1:28:37
